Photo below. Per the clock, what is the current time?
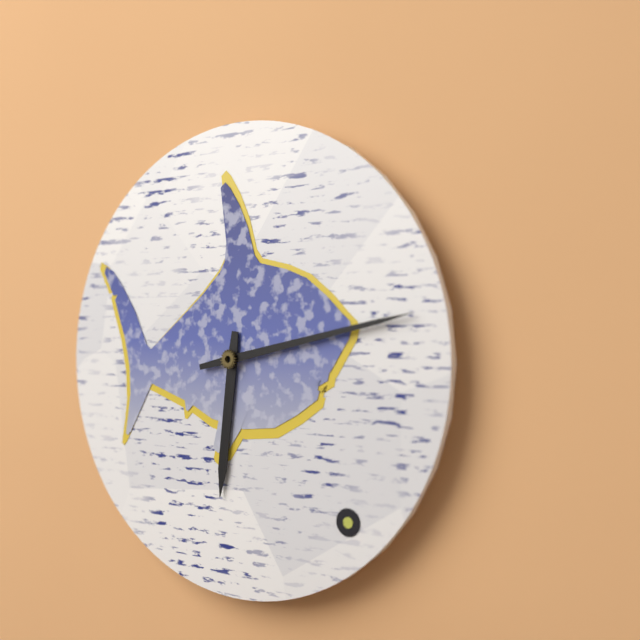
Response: 6:13
